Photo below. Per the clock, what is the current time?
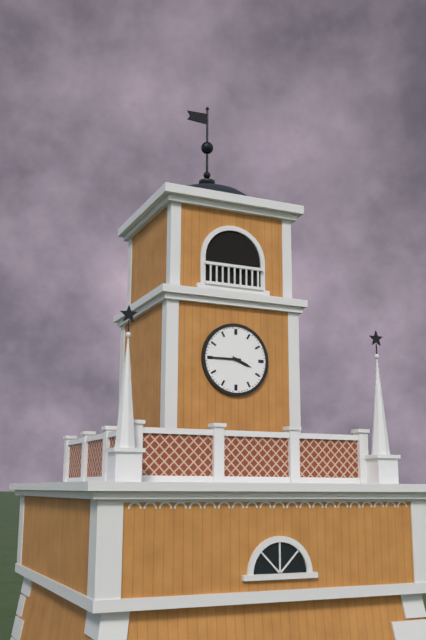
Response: 3:45
